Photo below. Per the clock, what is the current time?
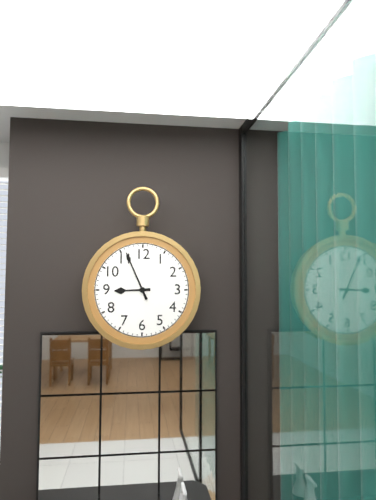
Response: 8:56
